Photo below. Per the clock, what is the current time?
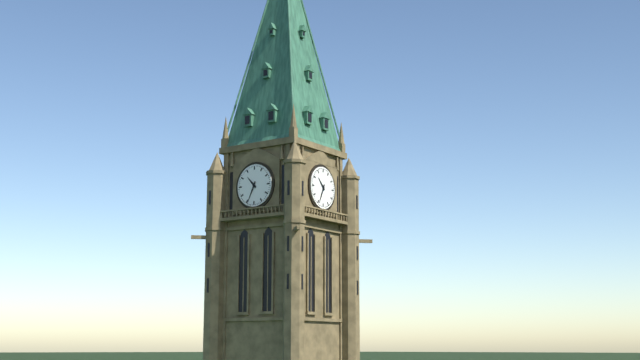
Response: 10:34
